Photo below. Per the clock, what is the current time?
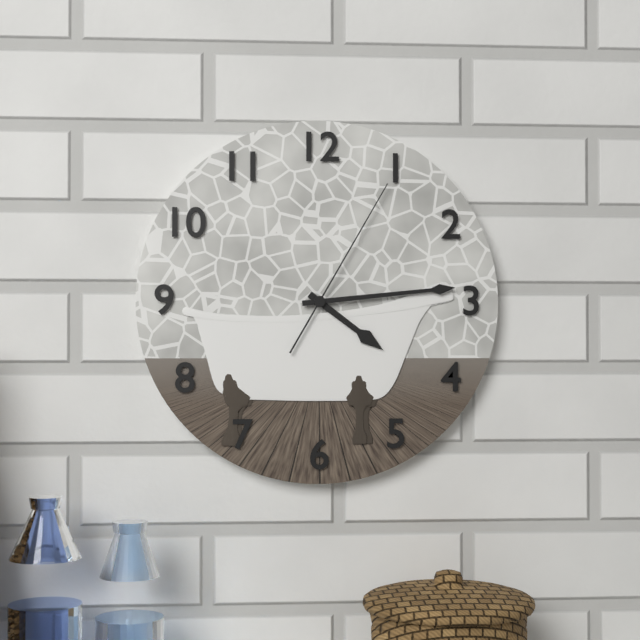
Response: 4:14:05
